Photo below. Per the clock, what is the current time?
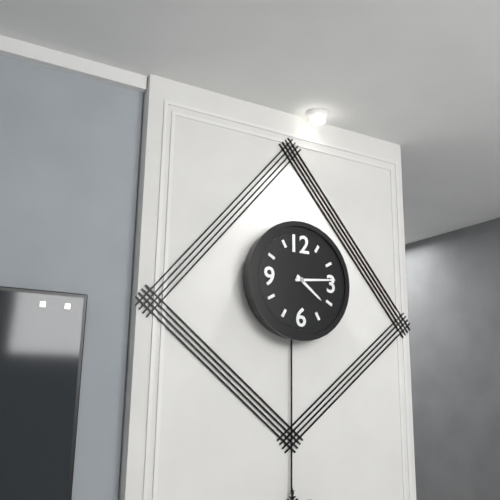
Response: 4:14
